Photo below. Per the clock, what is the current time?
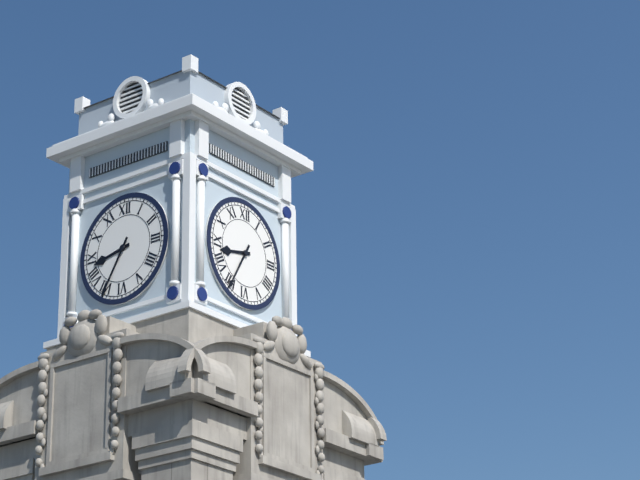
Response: 8:35
